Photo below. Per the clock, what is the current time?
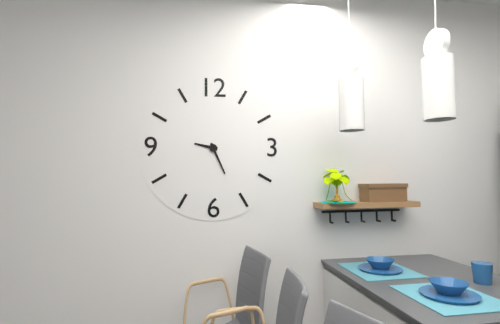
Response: 9:26
